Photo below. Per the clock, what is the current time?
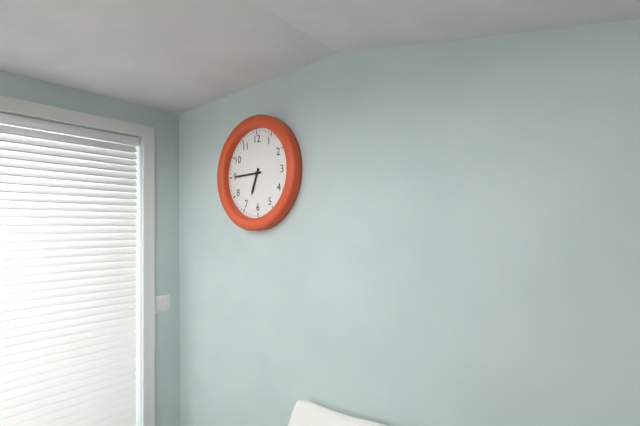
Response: 6:45
